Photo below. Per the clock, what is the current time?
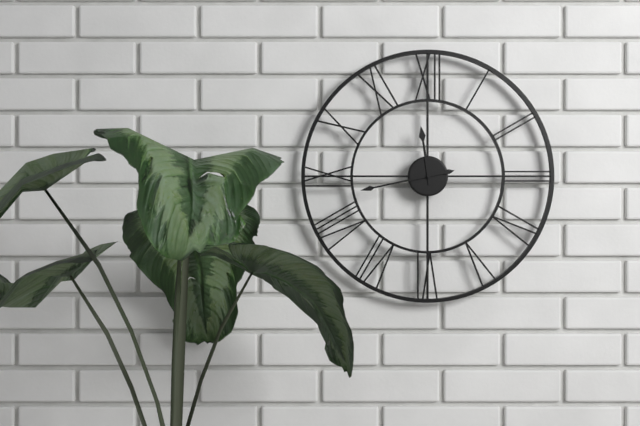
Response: 11:43
